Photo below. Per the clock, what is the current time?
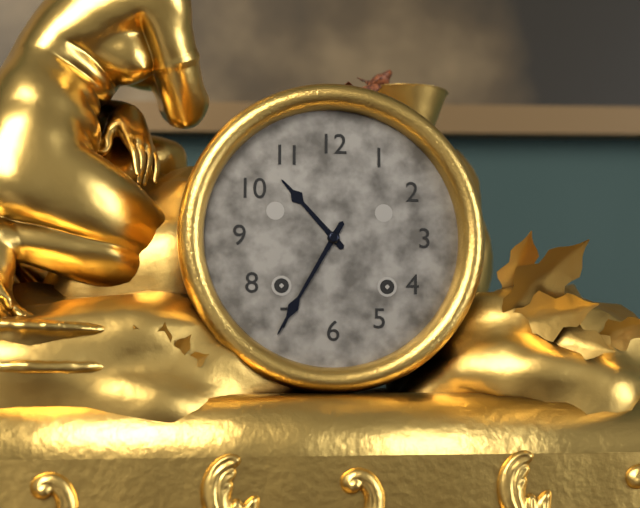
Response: 10:35
